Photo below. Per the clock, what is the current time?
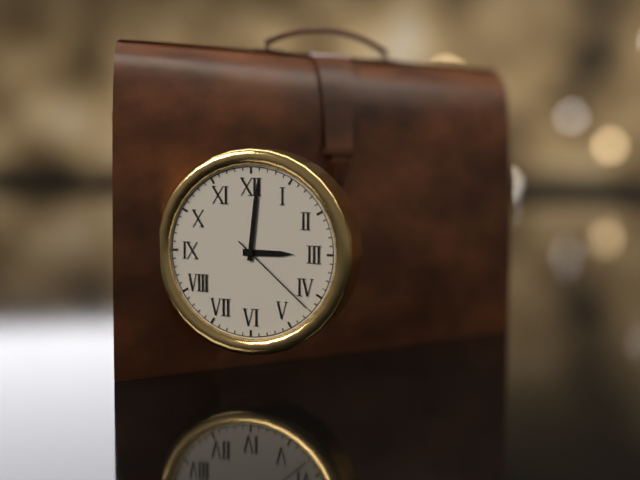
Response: 3:01:22
